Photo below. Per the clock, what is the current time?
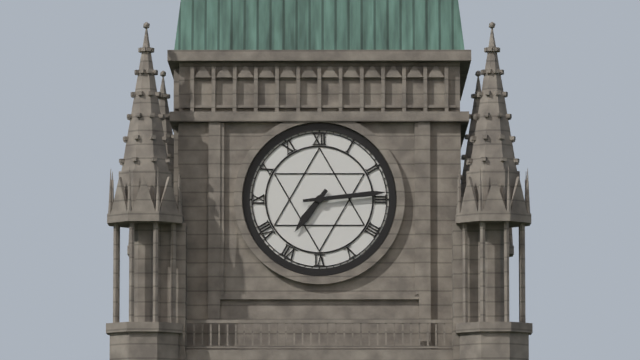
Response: 7:14
